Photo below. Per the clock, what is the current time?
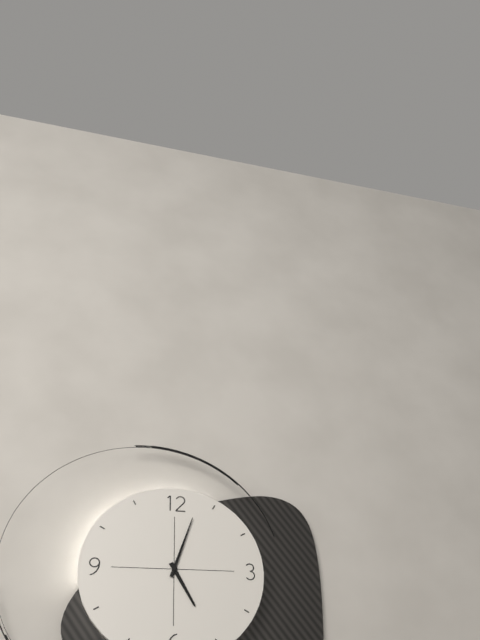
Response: 5:03
